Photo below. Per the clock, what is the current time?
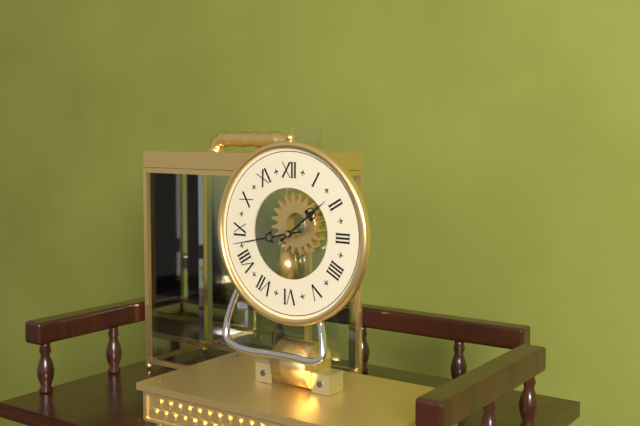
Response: 1:43
